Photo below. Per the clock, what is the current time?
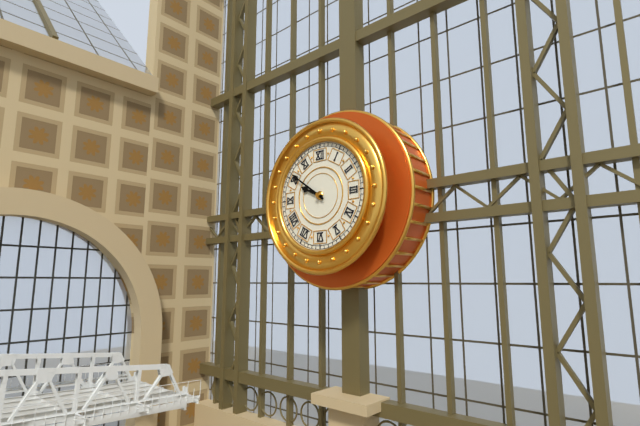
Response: 9:51
